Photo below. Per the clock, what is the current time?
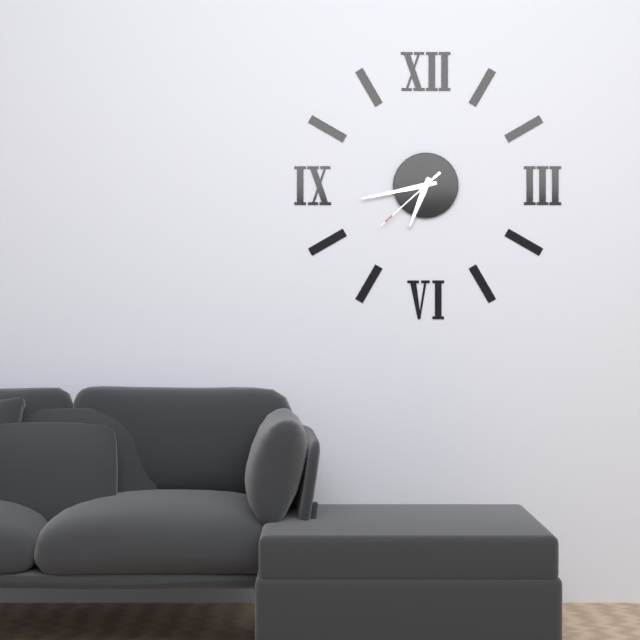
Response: 6:43:38
